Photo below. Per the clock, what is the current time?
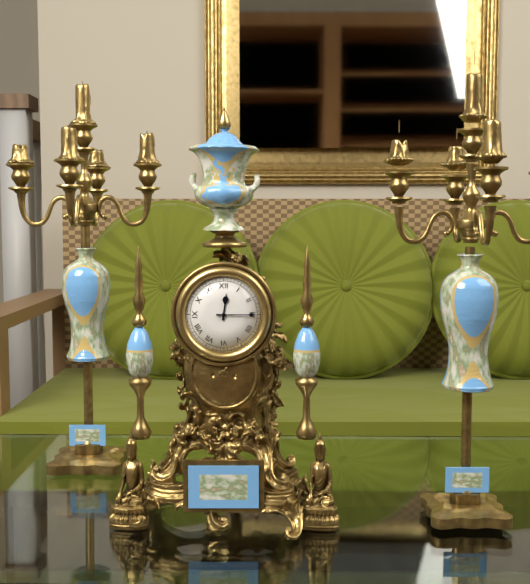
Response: 12:15
